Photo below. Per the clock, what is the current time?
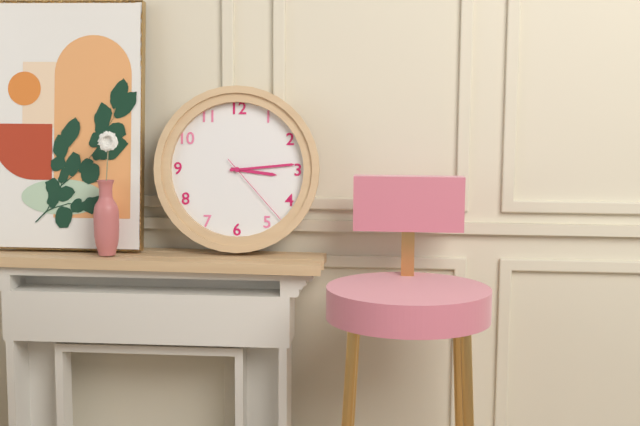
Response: 3:14:23
